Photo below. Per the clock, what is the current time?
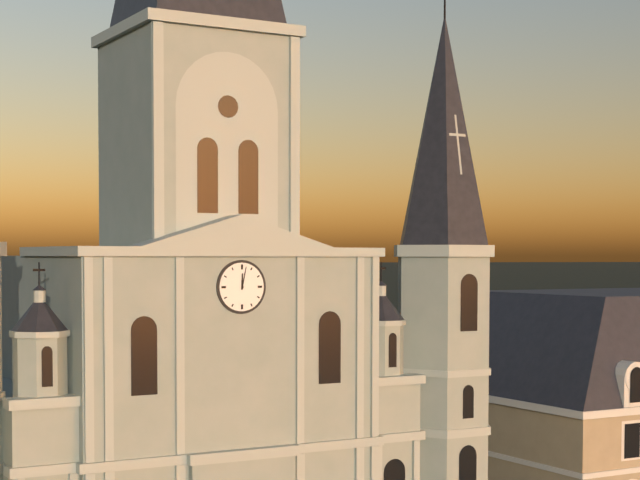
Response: 12:02
